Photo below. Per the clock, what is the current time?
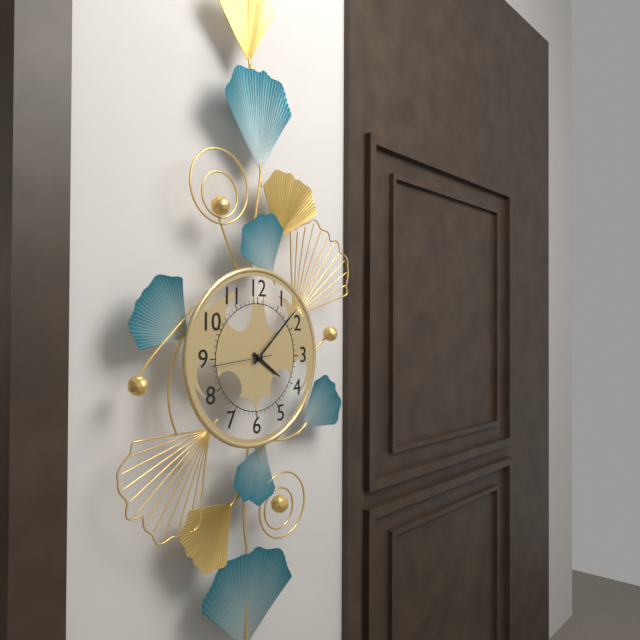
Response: 4:08:44
